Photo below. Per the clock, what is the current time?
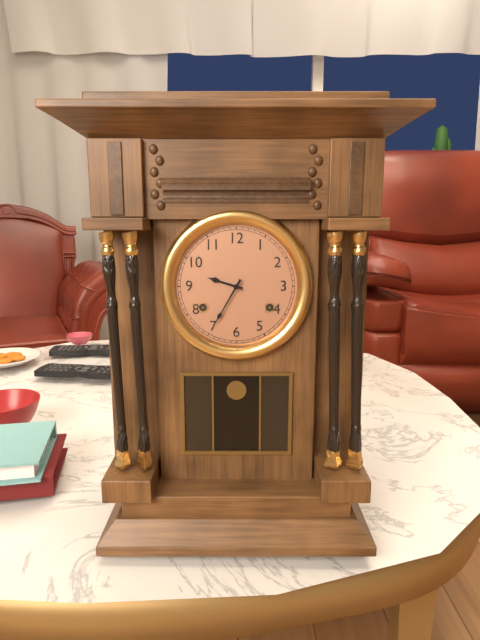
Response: 9:35
